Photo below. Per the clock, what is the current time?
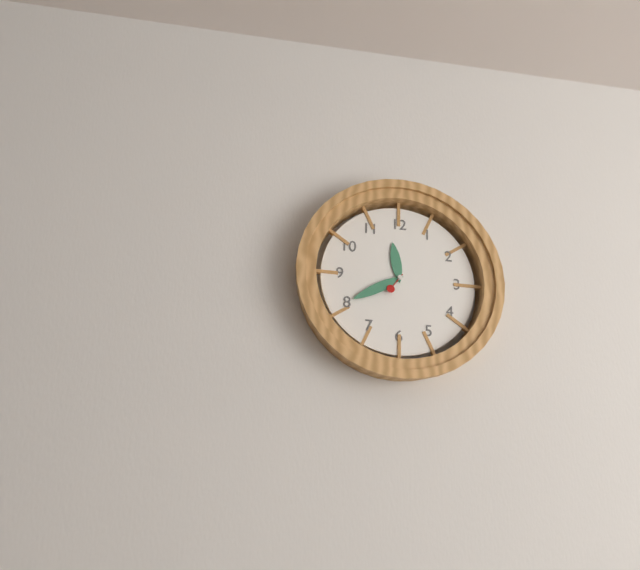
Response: 11:40
